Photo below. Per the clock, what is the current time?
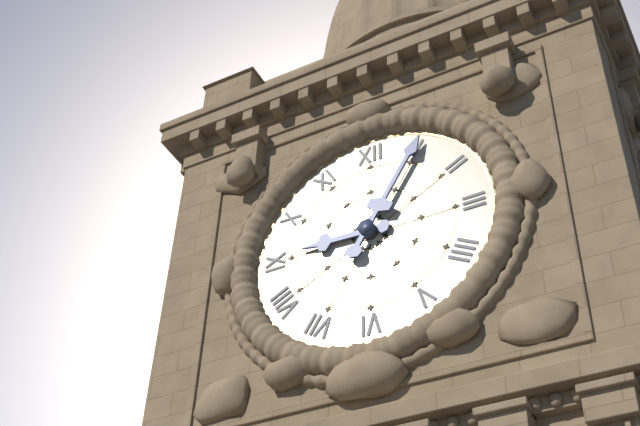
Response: 9:05
